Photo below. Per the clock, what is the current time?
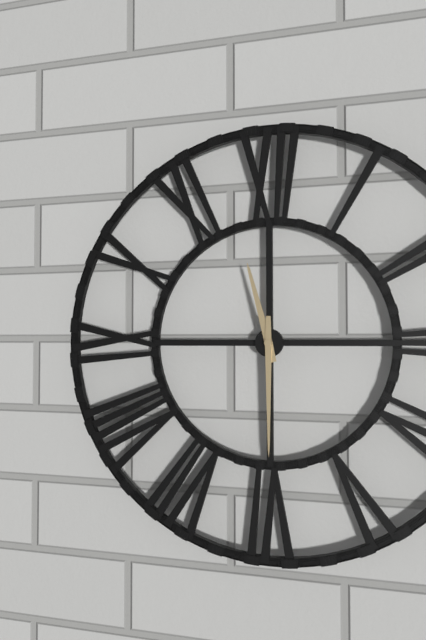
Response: 11:30
